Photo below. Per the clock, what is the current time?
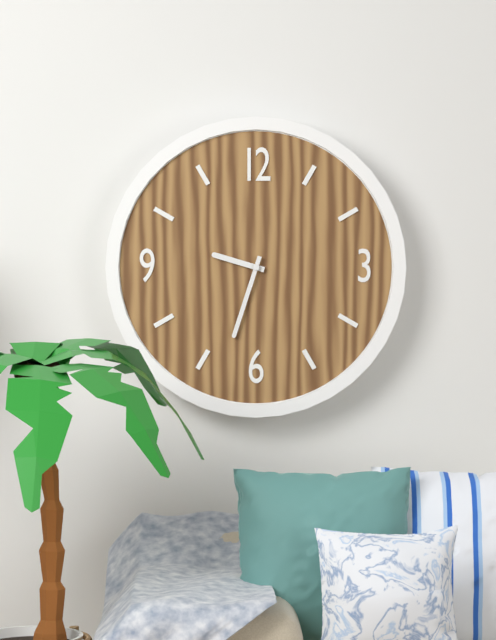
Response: 9:33
